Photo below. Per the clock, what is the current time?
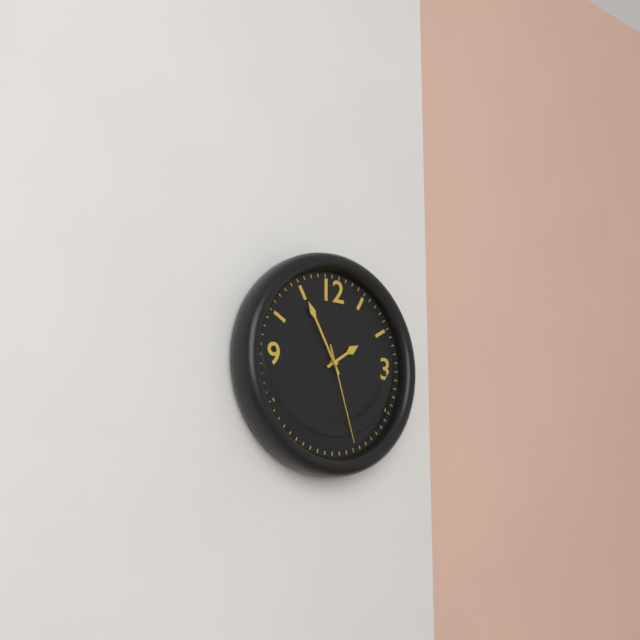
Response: 1:55:27
